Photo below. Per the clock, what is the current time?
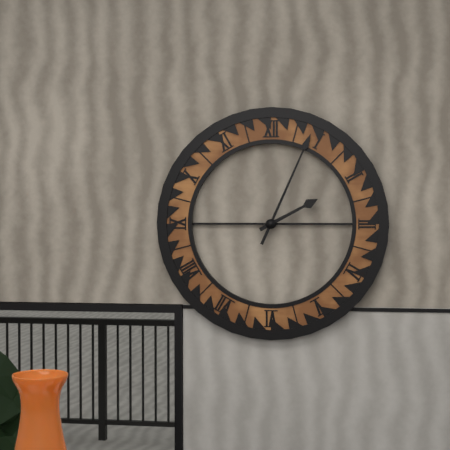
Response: 2:04
